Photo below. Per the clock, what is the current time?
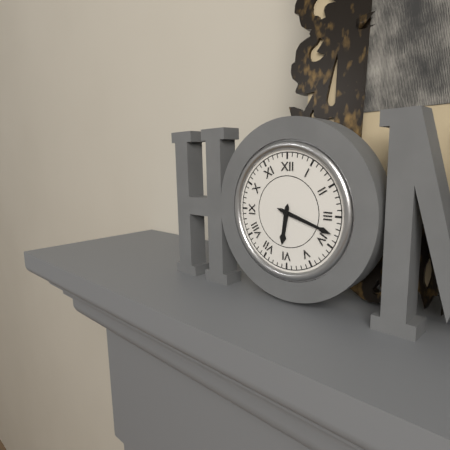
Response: 6:18
